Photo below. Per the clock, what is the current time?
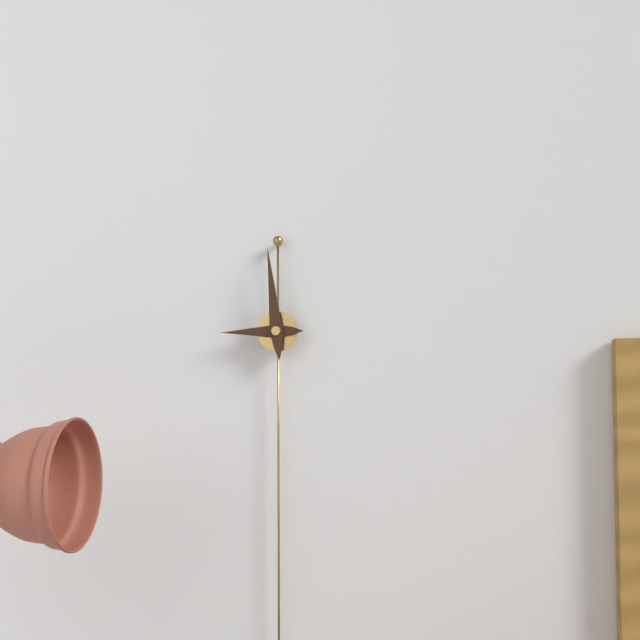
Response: 8:59
